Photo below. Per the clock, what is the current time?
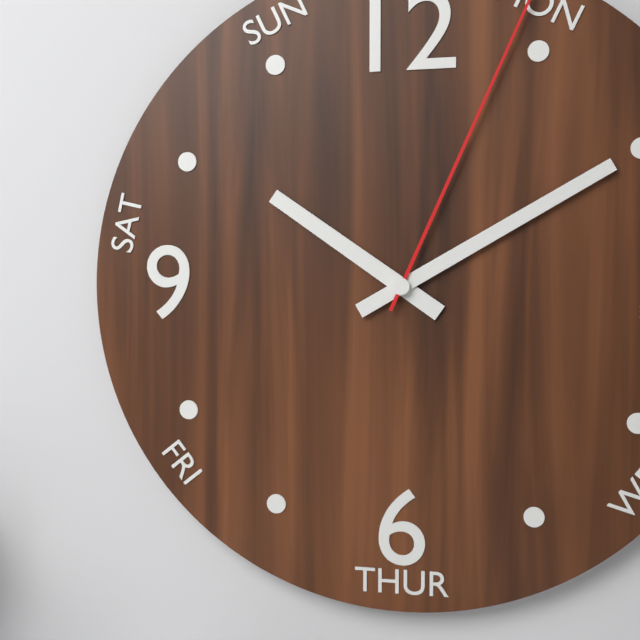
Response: 10:10
